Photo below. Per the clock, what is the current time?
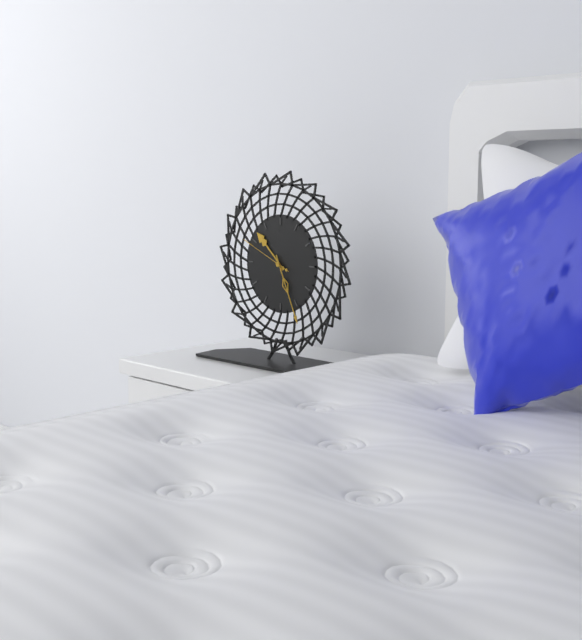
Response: 10:26:49
